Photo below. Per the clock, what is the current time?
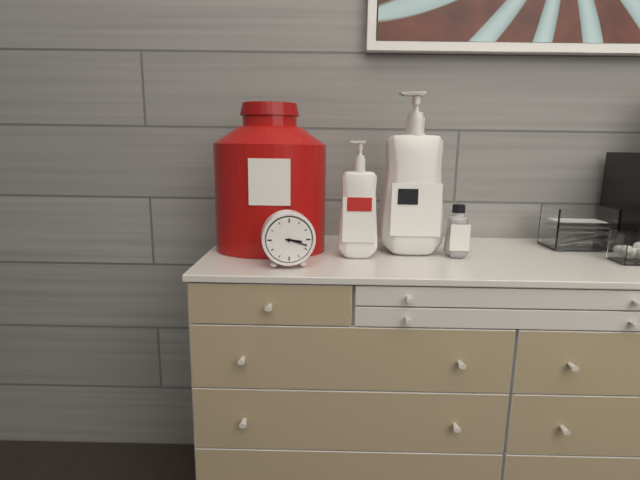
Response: 3:18
